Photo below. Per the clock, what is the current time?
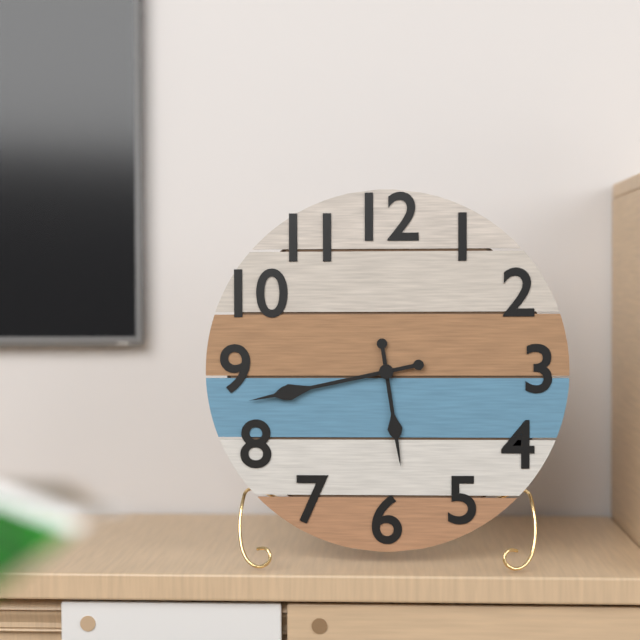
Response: 5:43
